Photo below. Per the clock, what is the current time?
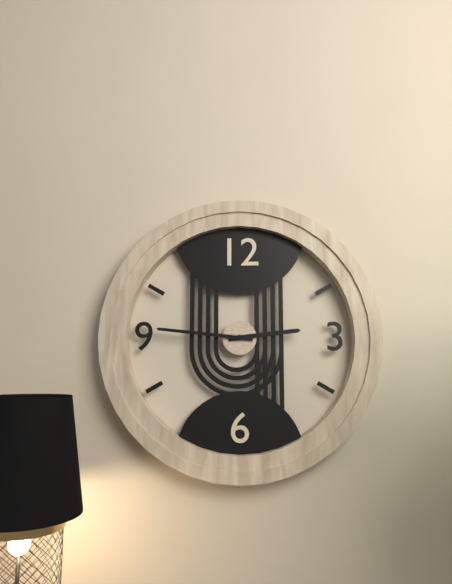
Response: 2:46
